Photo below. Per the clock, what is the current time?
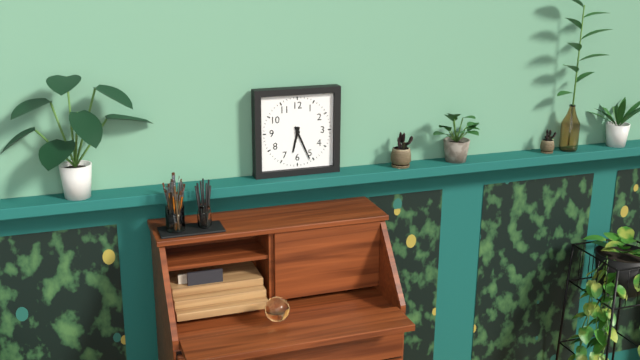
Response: 6:26
